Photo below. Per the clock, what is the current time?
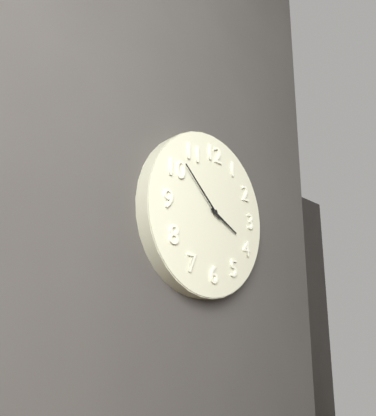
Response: 3:52
